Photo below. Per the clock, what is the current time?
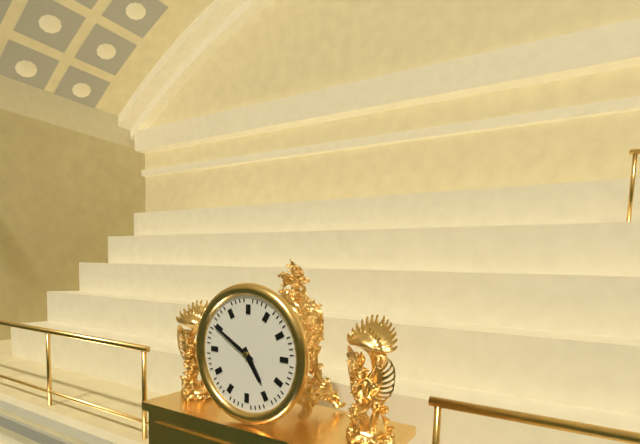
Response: 4:50
